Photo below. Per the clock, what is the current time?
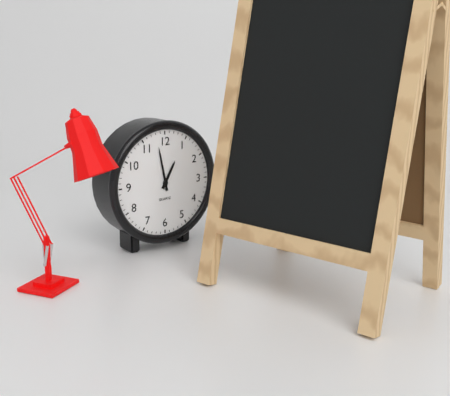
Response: 12:58
